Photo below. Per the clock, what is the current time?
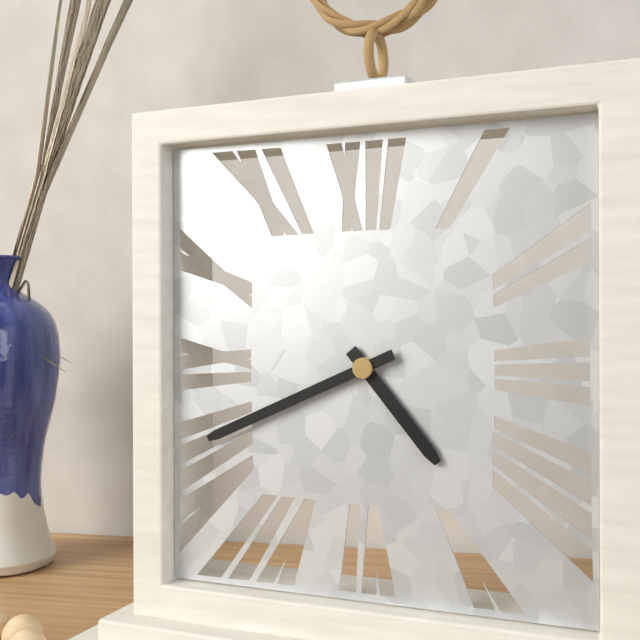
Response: 4:41
